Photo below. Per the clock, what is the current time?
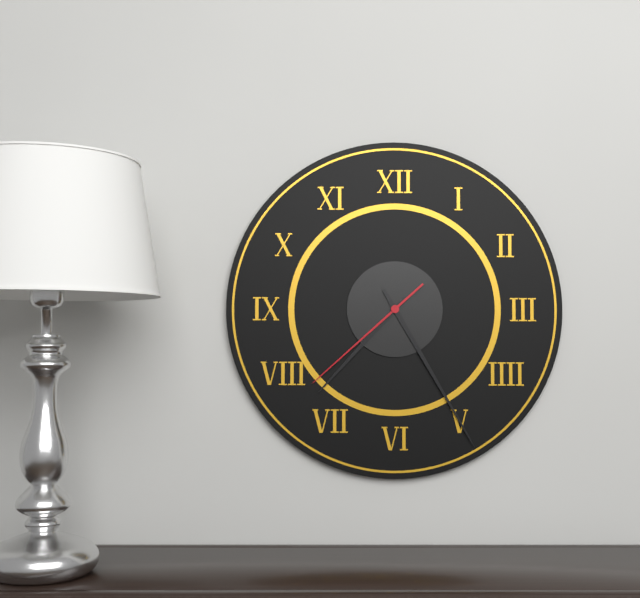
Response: 7:25:38
